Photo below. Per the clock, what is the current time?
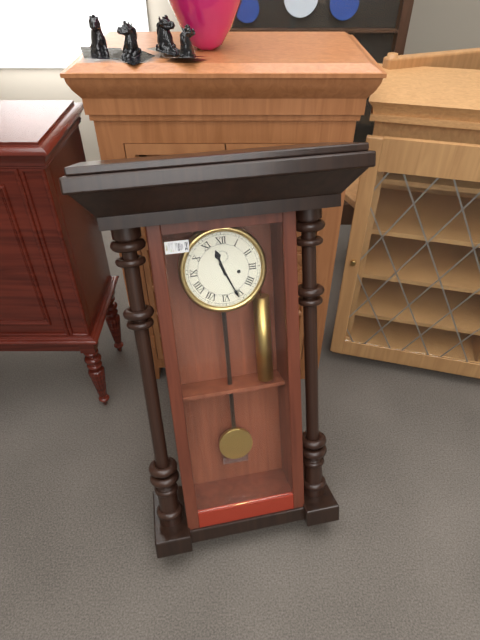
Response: 11:26
